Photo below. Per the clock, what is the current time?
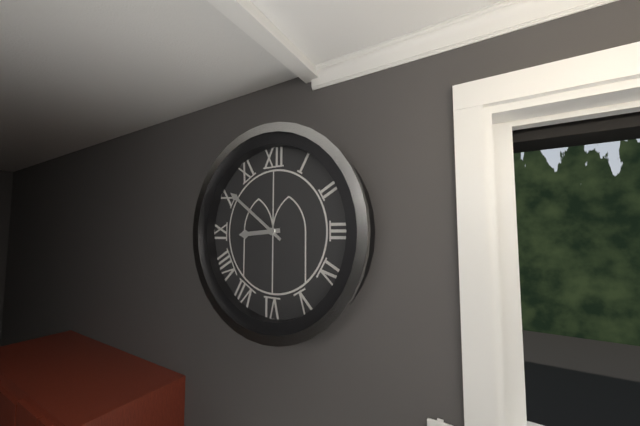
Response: 8:51
